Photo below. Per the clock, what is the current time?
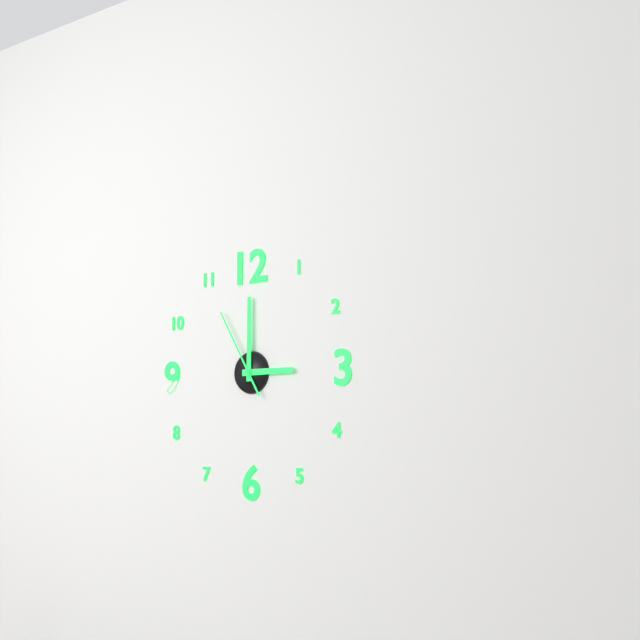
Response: 3:00:55
